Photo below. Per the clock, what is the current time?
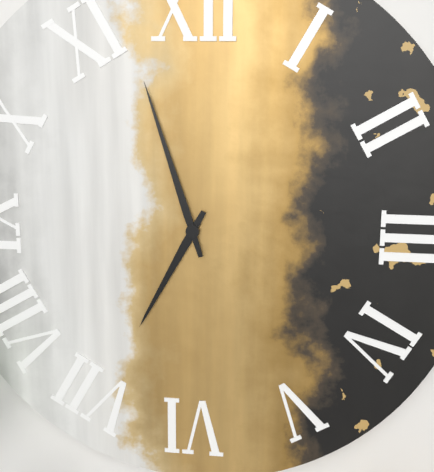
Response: 6:57
